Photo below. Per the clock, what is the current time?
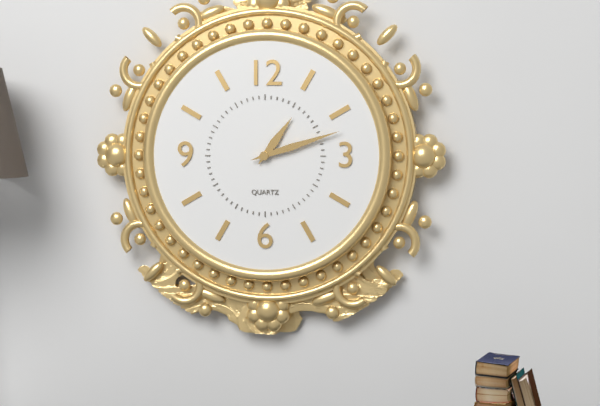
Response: 1:12
